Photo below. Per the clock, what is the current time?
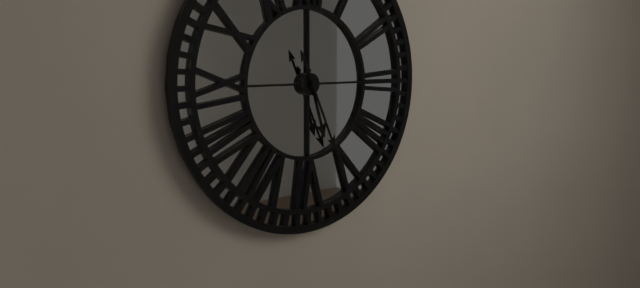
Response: 5:26
